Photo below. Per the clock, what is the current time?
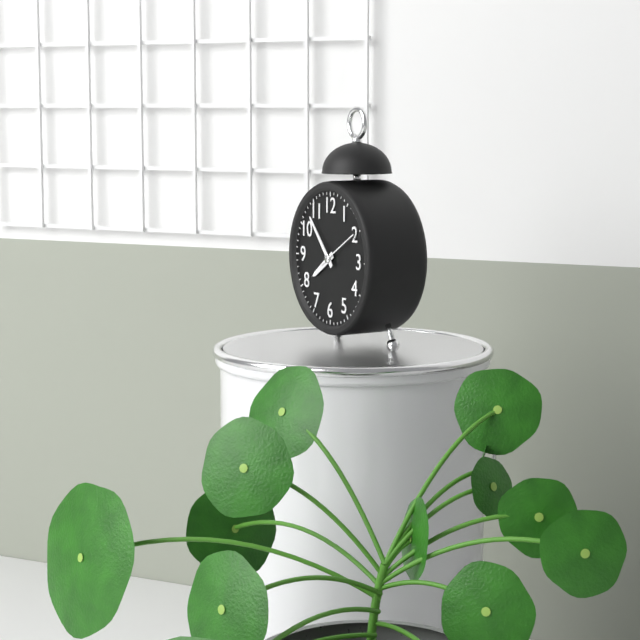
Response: 7:53
